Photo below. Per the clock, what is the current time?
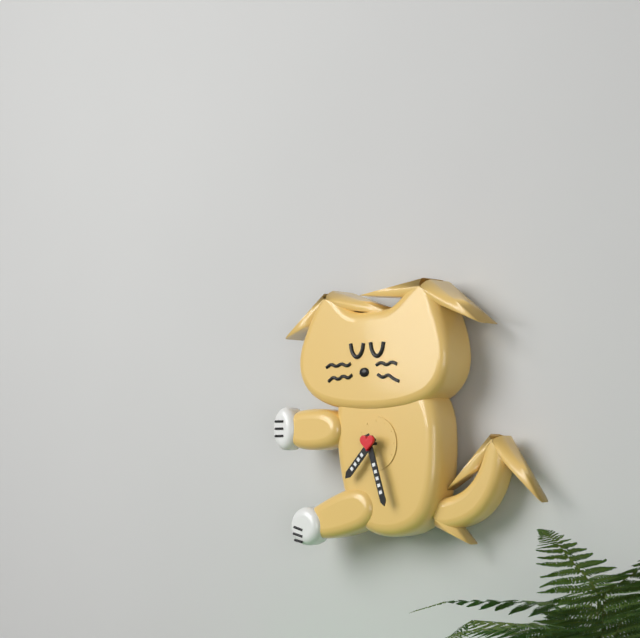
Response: 7:27
